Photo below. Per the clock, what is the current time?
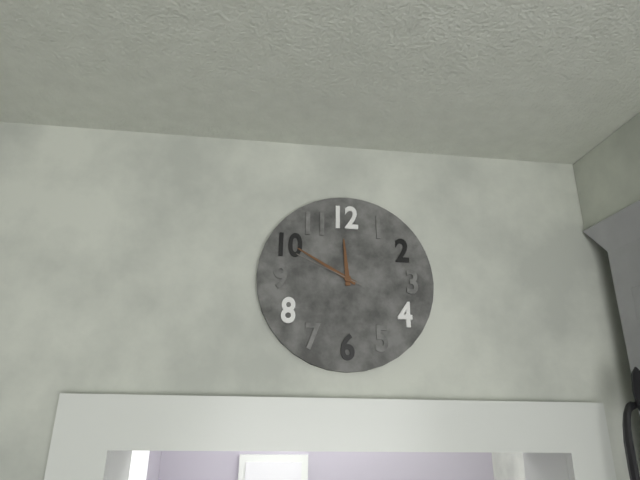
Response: 11:50:49
